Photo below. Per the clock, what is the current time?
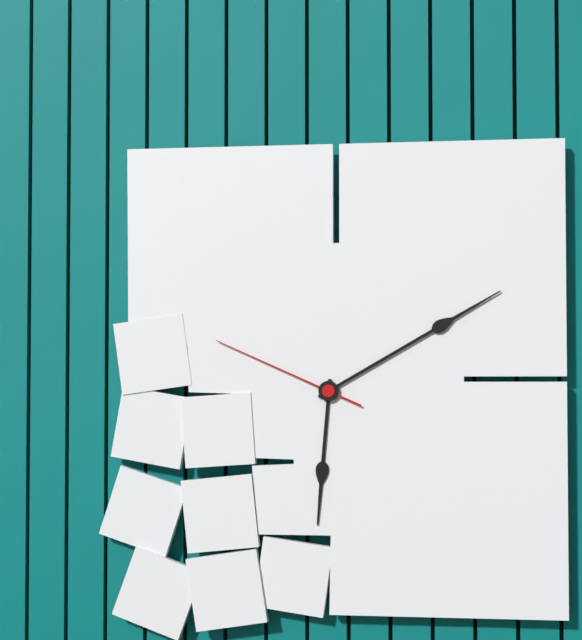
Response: 6:10:49
